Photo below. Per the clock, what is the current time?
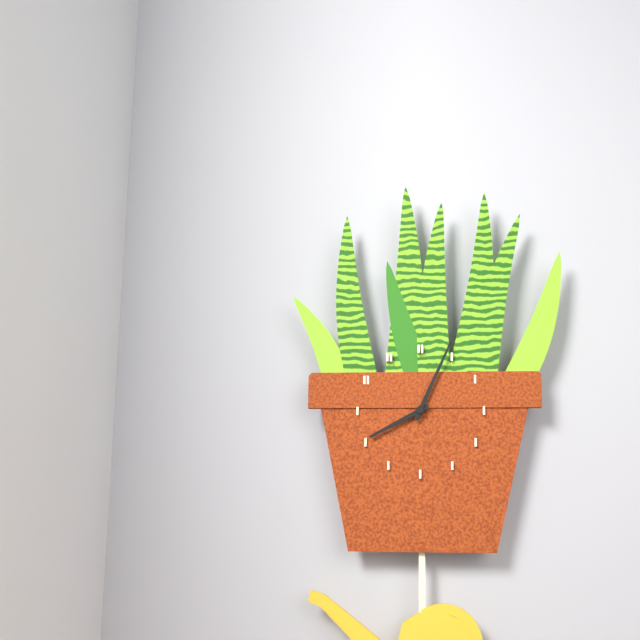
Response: 8:04
